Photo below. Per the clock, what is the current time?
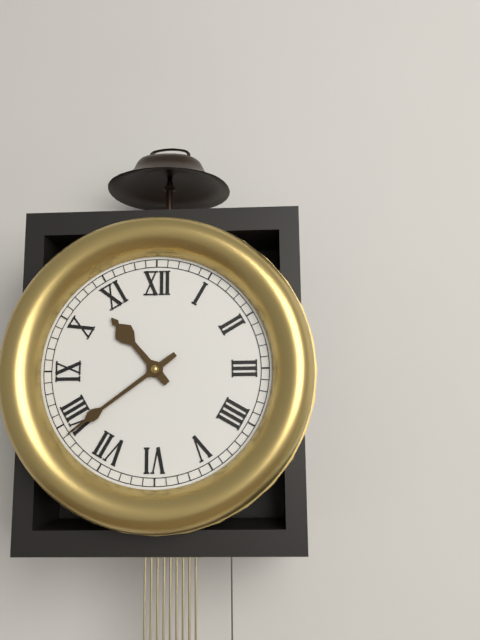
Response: 10:39
